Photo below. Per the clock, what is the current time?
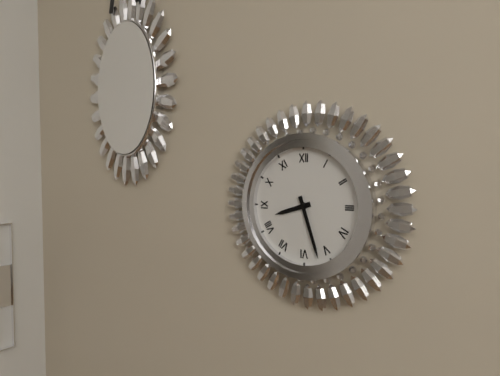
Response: 8:27
